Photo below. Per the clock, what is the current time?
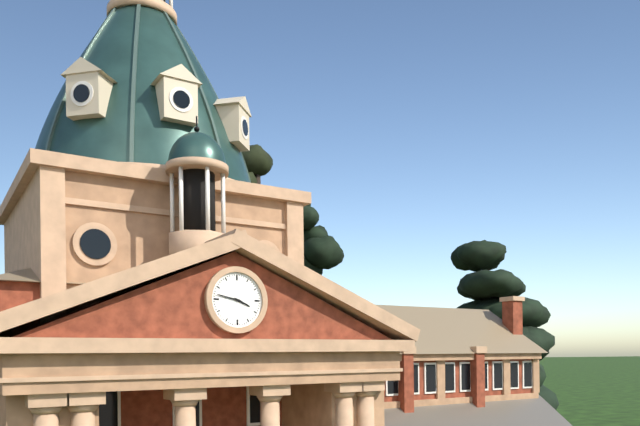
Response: 3:47
